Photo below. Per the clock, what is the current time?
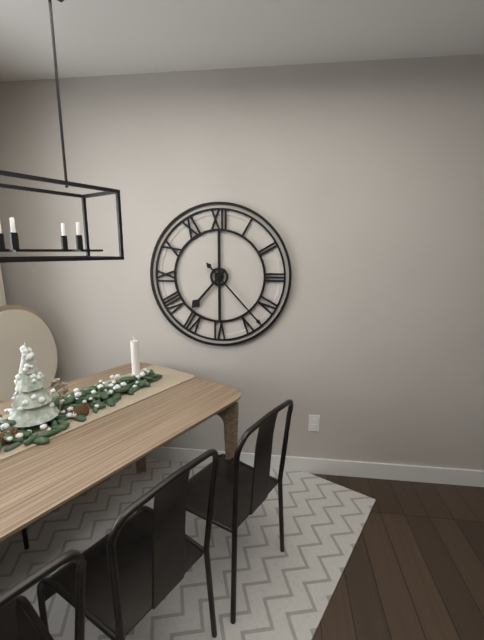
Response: 7:23
